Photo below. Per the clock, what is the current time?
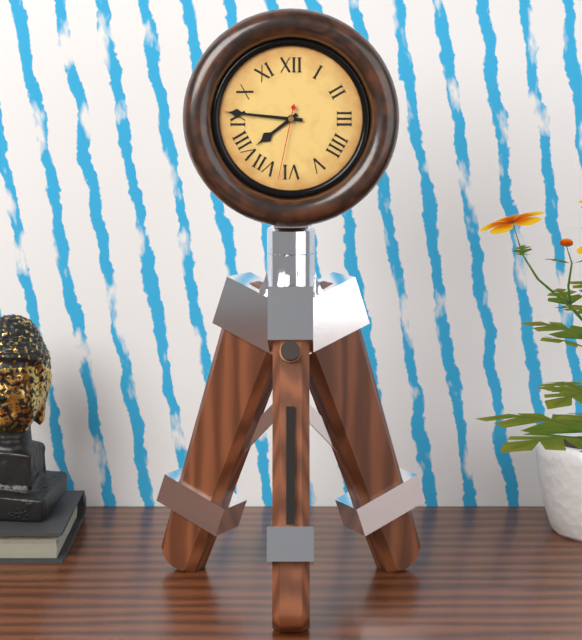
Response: 7:46:32
